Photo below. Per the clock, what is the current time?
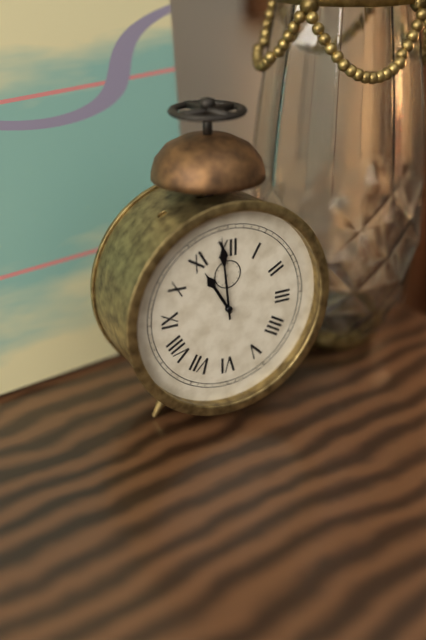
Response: 10:59
